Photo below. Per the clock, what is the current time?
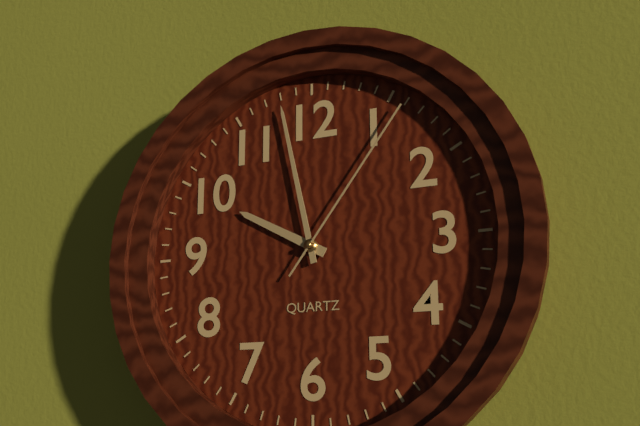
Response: 9:58:06
